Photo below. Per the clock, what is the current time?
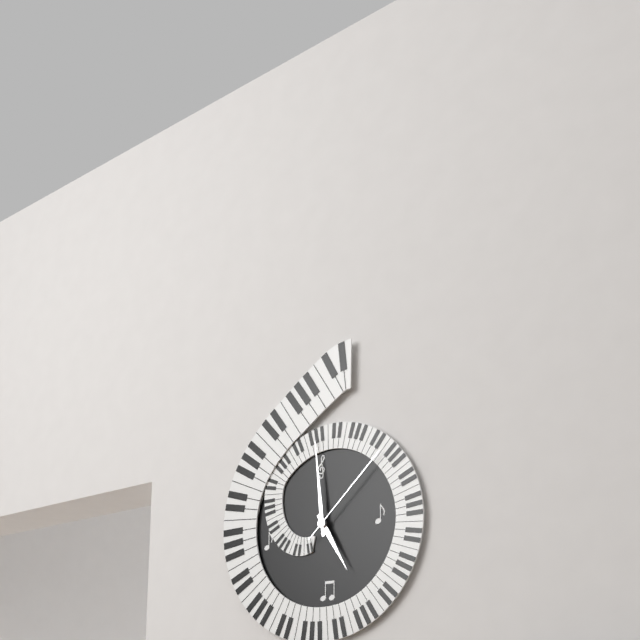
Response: 4:59:08
